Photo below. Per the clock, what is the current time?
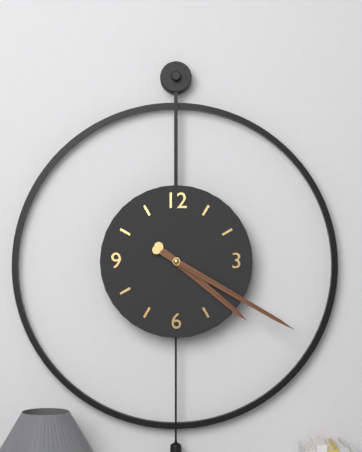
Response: 4:20
